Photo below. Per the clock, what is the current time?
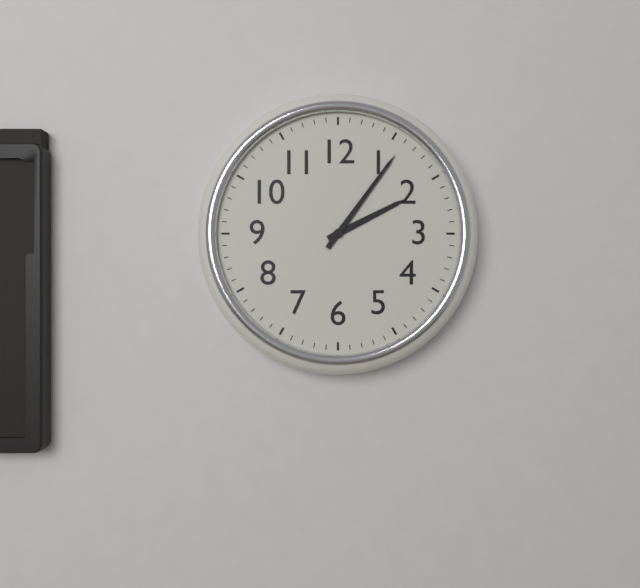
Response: 2:06
